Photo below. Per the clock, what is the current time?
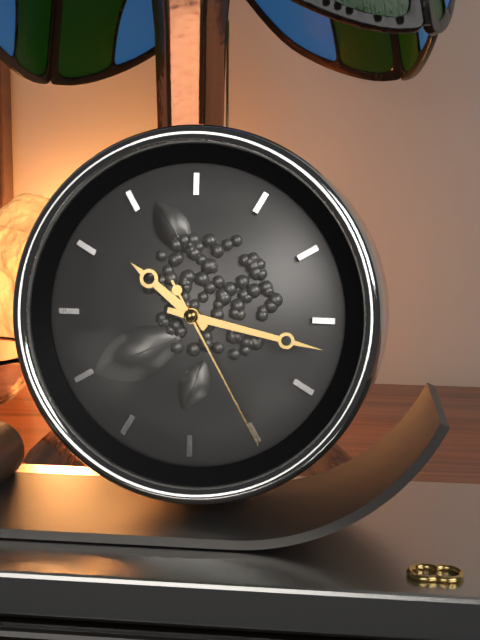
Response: 10:17:25
